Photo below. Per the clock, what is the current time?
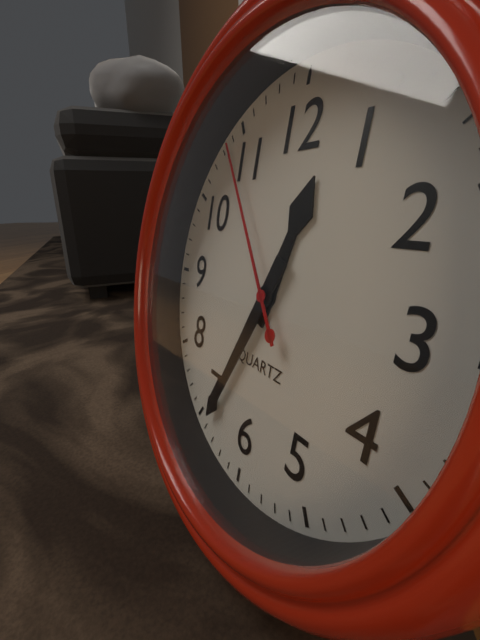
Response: 12:34:54
